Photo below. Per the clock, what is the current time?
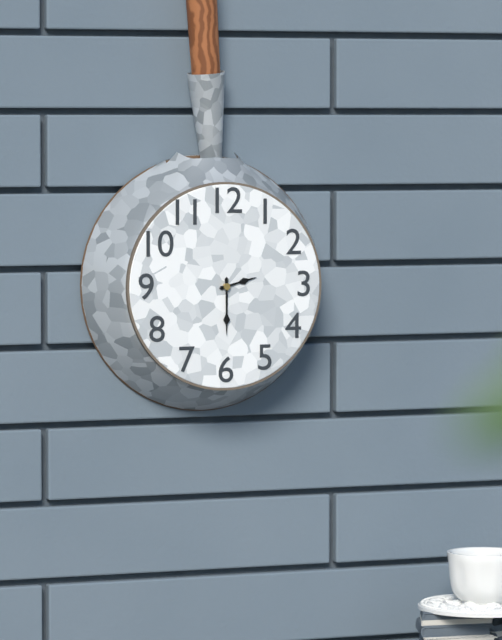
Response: 2:30
